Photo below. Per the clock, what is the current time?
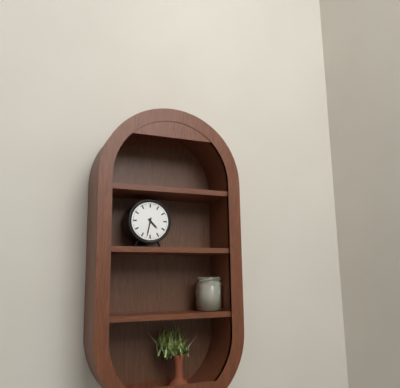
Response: 4:32
